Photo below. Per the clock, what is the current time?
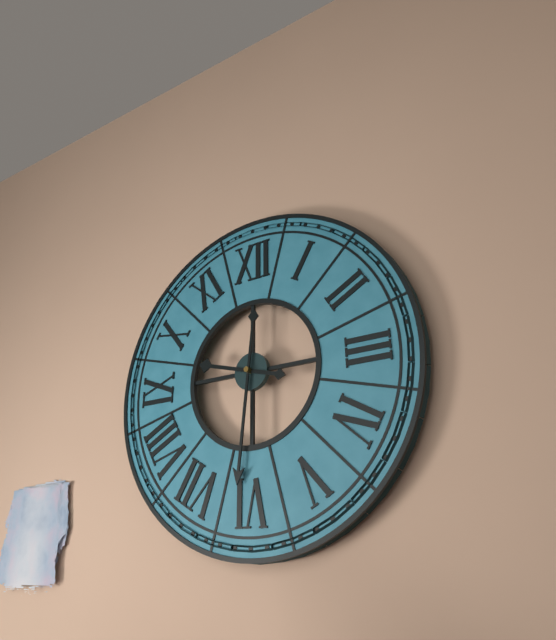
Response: 9:31
